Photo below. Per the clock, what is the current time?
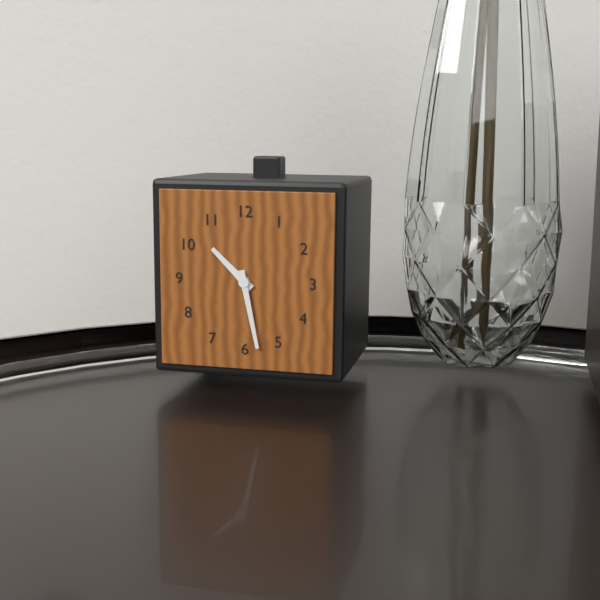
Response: 10:28
